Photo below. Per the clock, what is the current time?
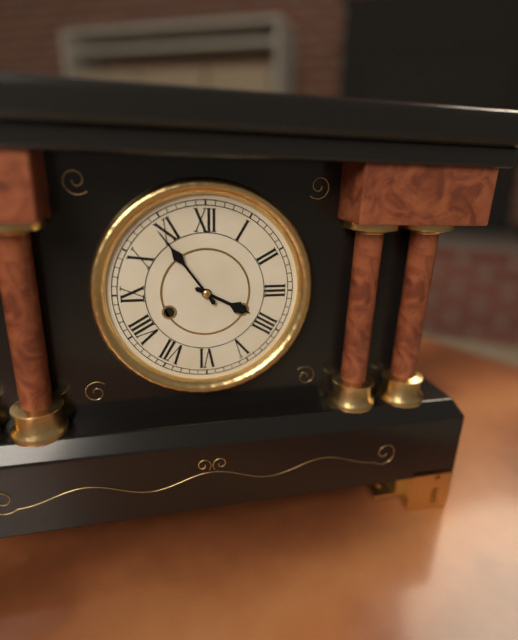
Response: 3:54
